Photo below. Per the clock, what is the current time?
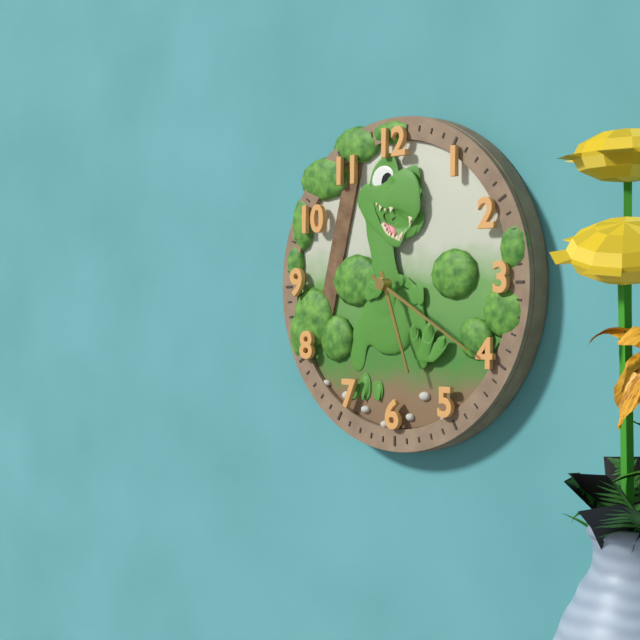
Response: 5:20
